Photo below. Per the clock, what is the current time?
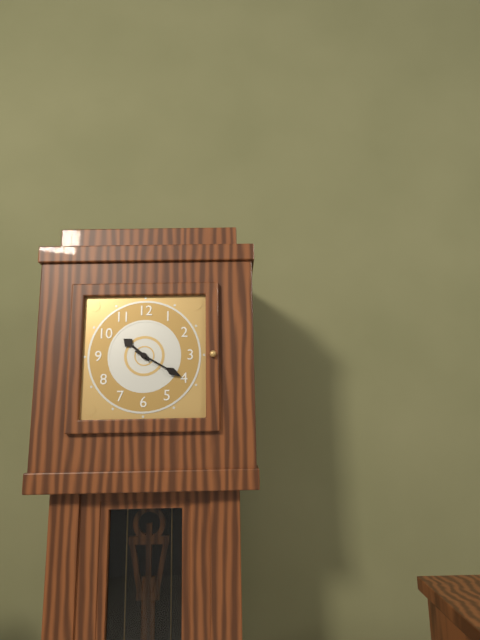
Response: 10:20
